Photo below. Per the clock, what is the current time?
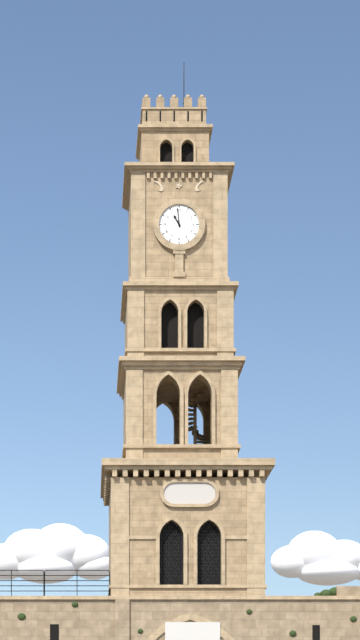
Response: 10:59
